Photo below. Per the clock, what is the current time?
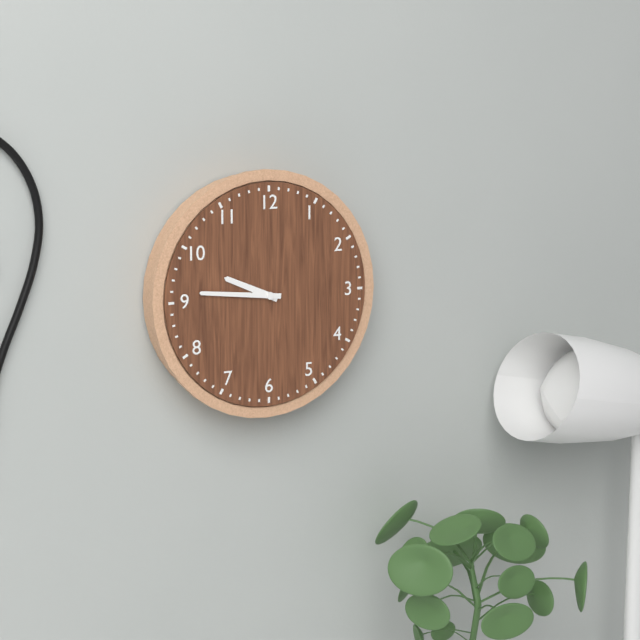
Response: 9:46
